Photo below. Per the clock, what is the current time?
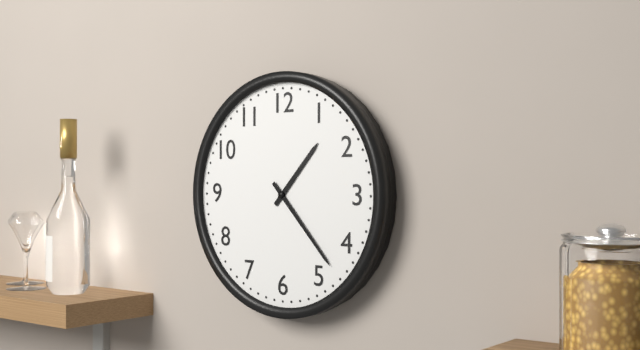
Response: 1:23
